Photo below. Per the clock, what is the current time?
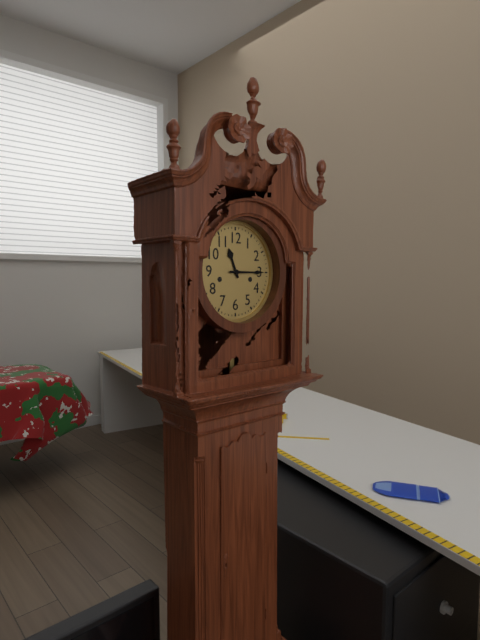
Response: 11:15
